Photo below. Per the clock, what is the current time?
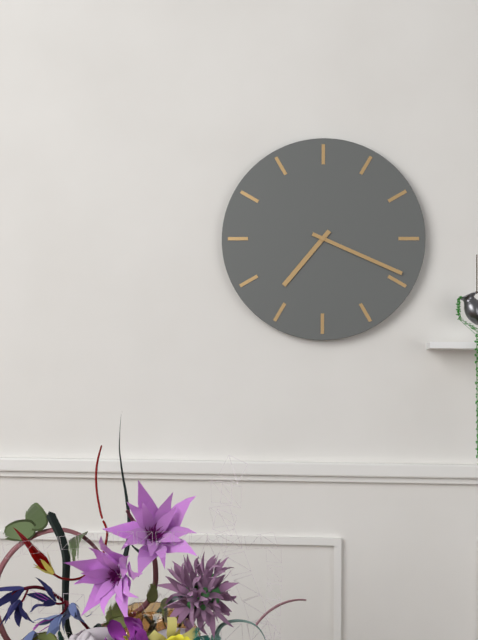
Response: 7:19
